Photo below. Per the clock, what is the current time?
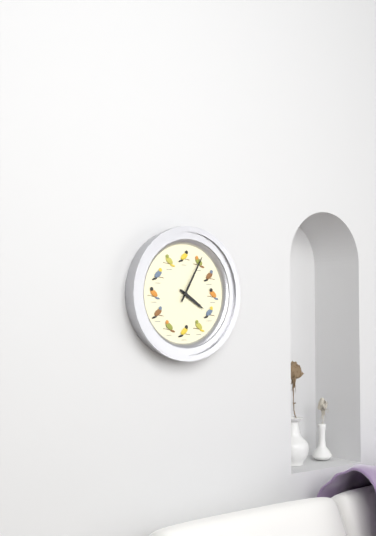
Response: 4:05
